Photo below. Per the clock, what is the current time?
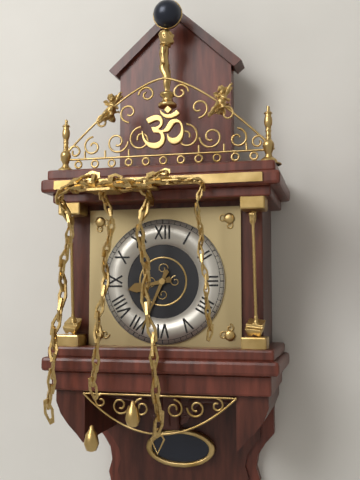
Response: 8:34
